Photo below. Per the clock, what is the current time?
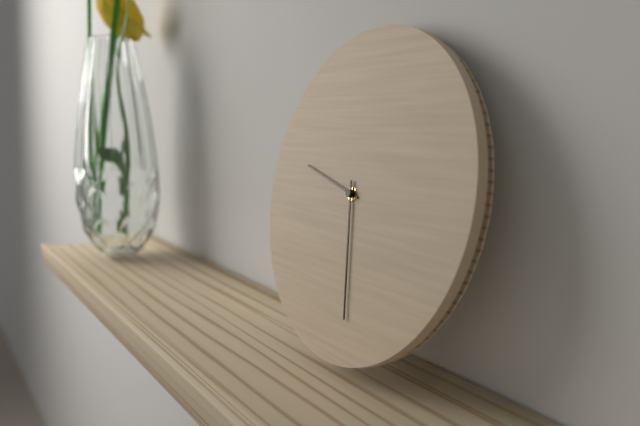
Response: 9:28
